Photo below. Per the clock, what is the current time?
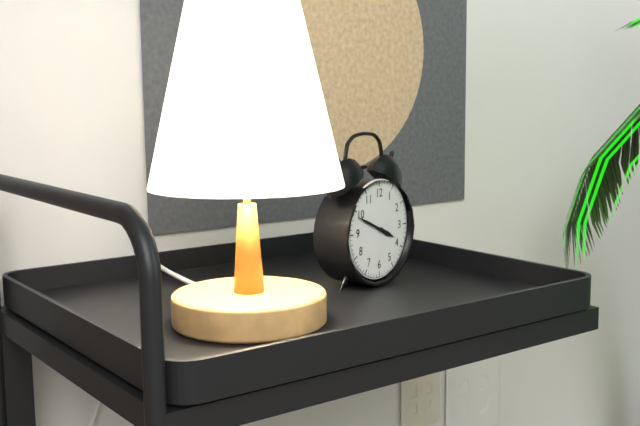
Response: 3:49
